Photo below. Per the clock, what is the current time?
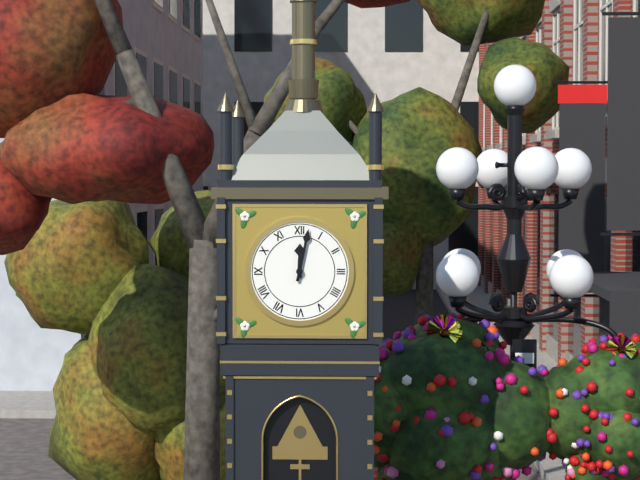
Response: 12:02
